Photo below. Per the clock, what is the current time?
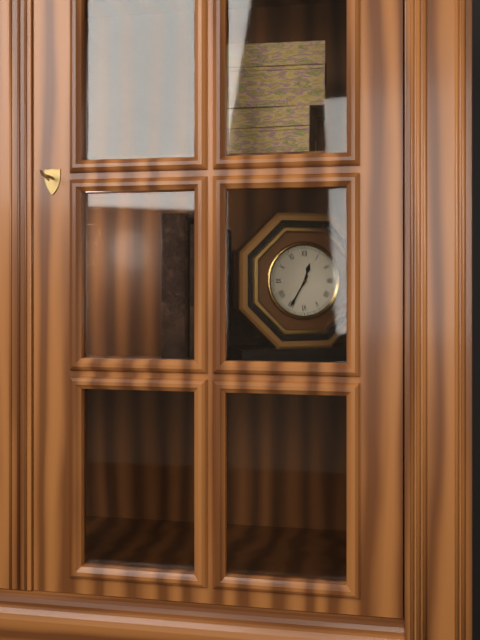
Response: 12:35
